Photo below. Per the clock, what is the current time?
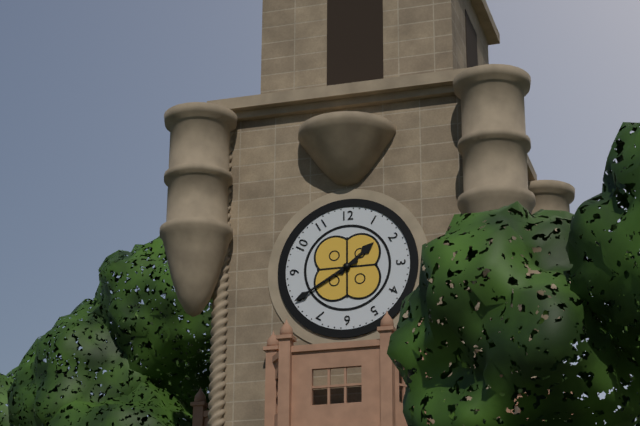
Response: 1:40
